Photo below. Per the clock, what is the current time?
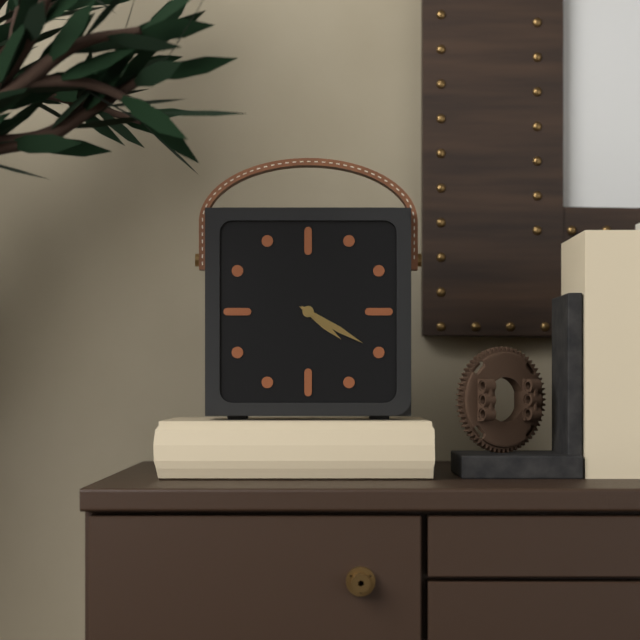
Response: 4:20
